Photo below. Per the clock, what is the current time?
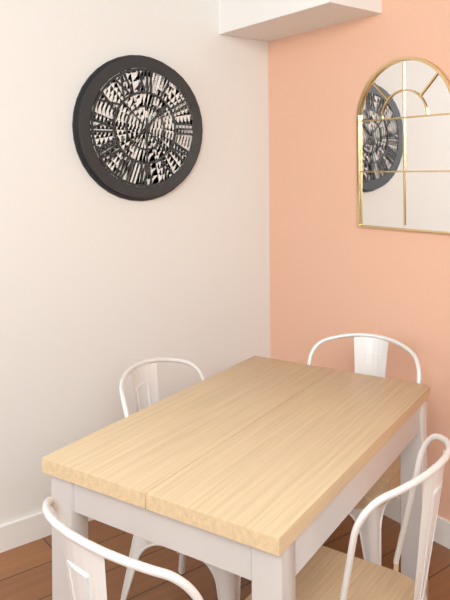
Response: 1:30
